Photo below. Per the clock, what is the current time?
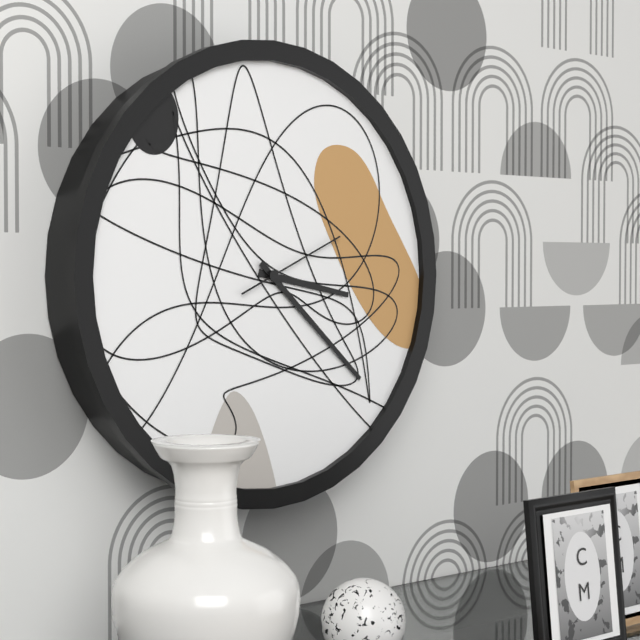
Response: 3:22:11
